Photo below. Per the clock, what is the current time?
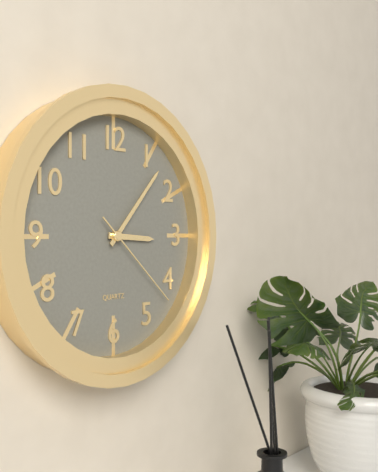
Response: 3:07:22
